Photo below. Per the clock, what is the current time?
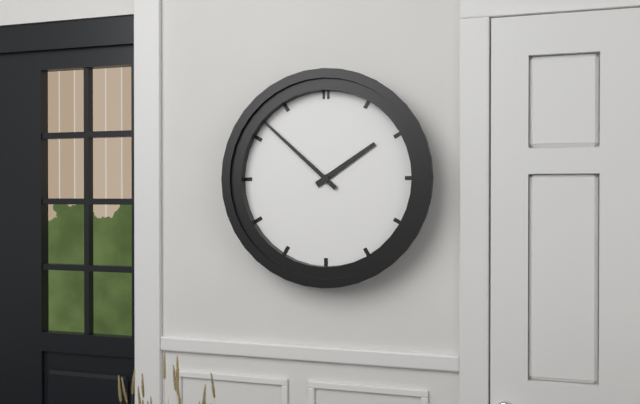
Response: 1:52
